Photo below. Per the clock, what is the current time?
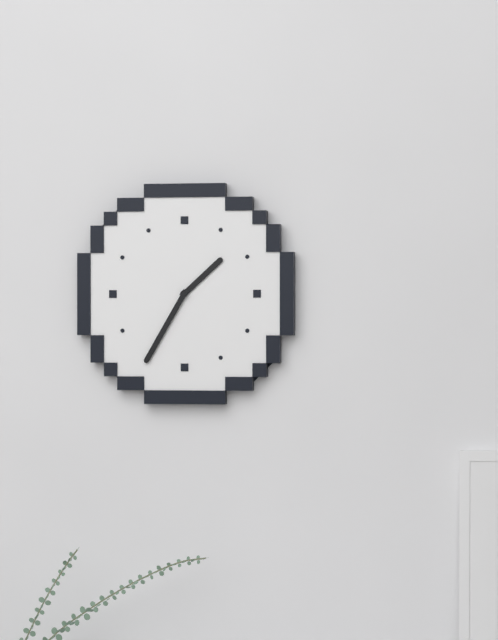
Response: 1:35
